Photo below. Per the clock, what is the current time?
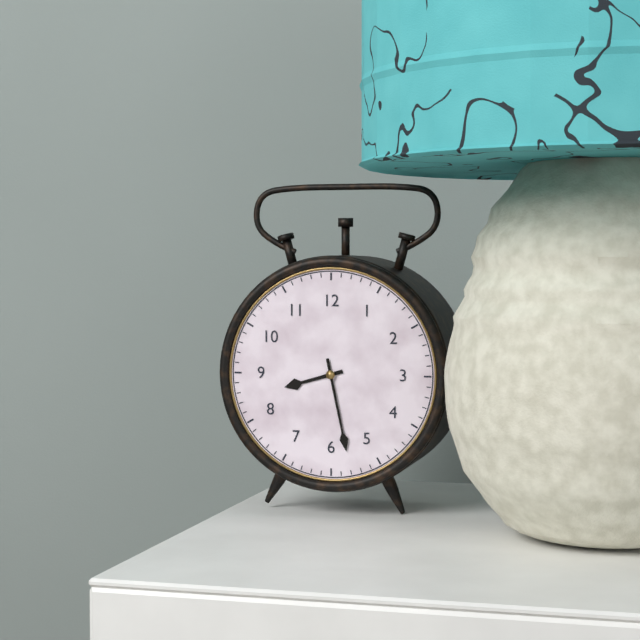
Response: 8:28
